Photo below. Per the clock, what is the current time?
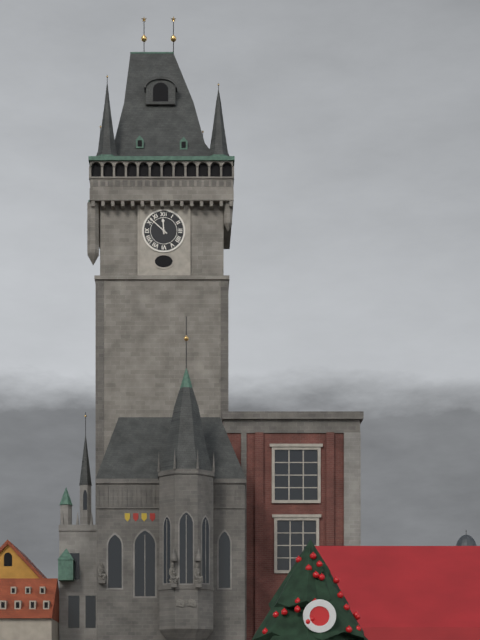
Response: 11:52
